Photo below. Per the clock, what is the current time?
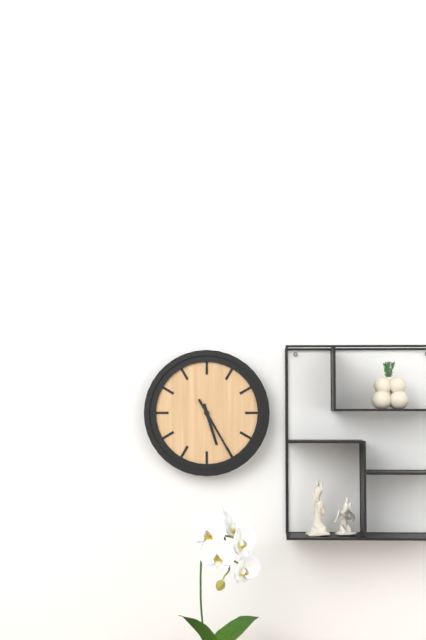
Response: 5:25
